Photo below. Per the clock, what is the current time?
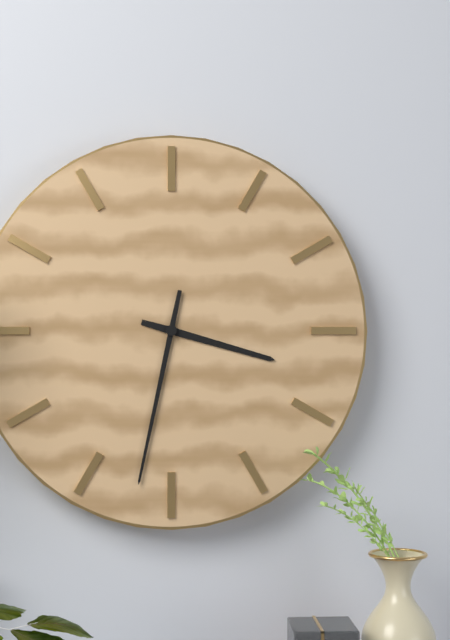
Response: 3:32
